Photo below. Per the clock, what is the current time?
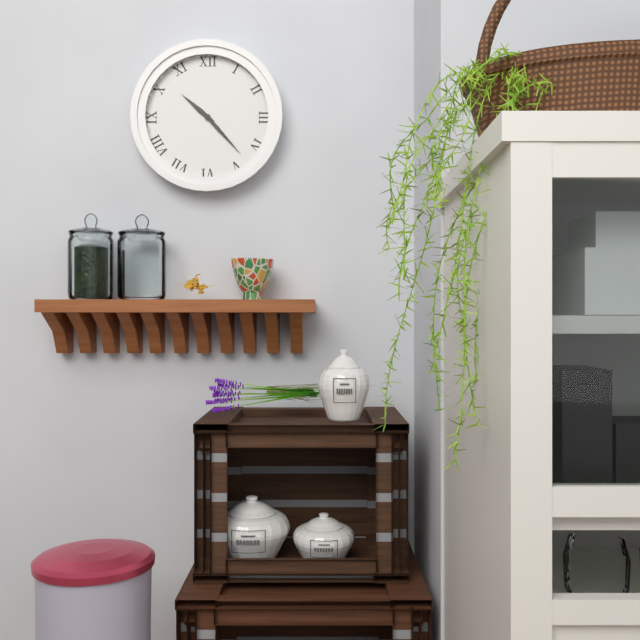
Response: 10:23
